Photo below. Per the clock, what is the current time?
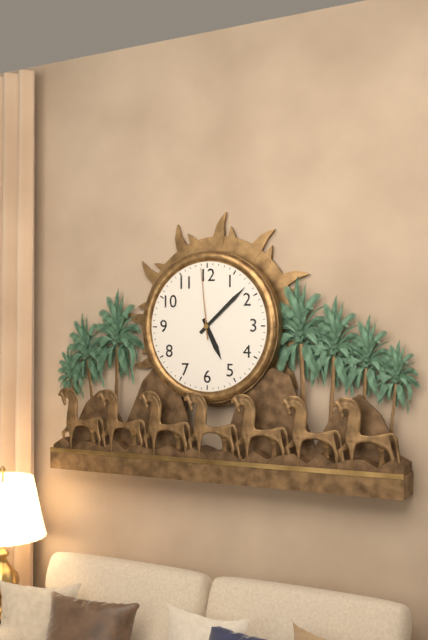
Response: 5:08:59
